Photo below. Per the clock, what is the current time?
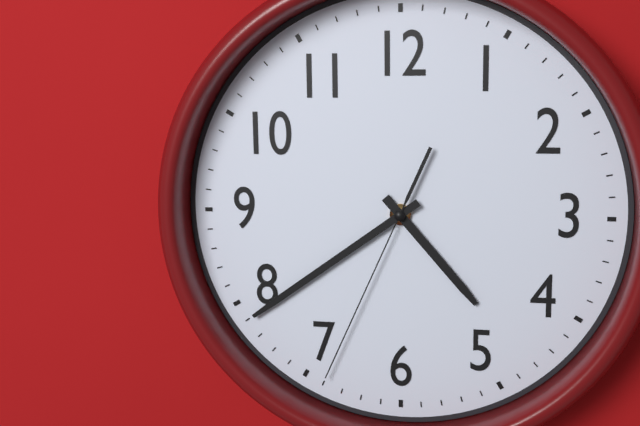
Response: 4:39:34
